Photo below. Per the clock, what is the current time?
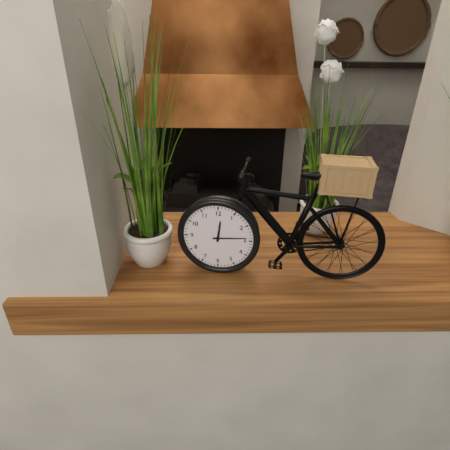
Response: 12:14
